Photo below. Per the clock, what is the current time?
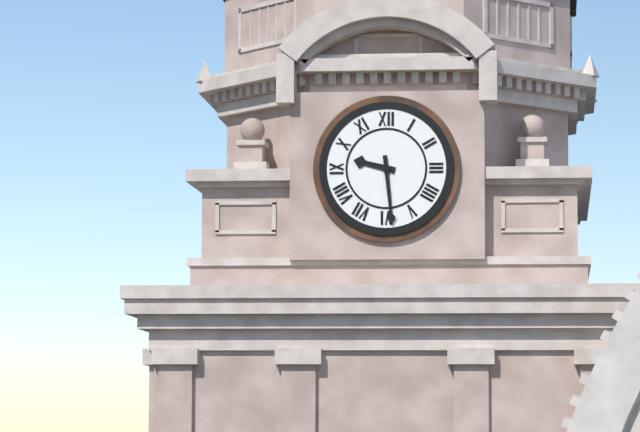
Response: 9:29
